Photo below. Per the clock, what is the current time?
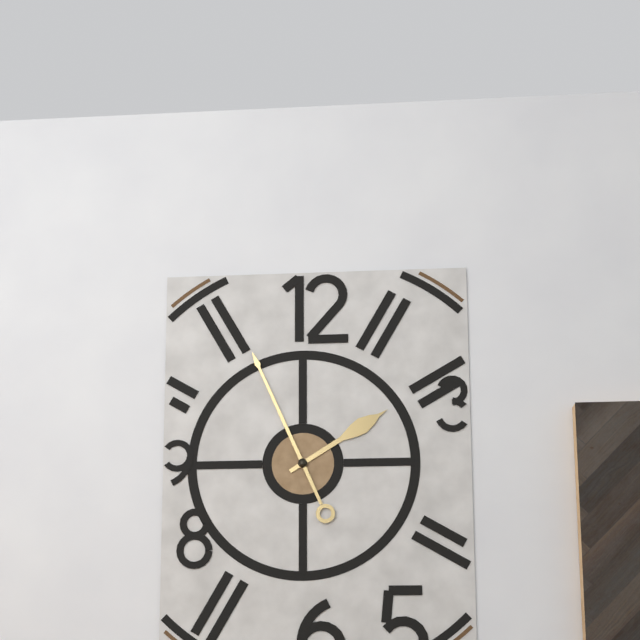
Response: 1:56
